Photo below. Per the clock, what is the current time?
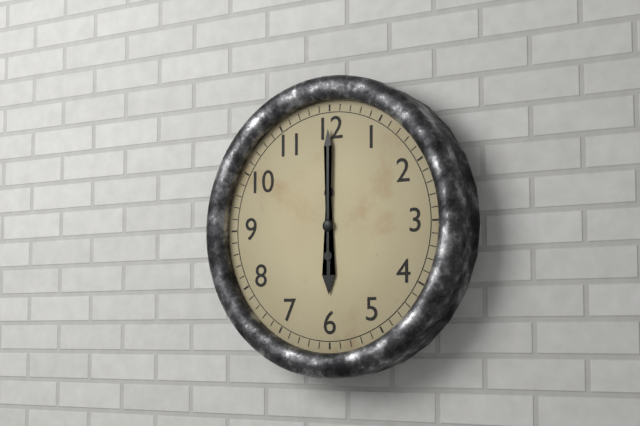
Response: 6:00
